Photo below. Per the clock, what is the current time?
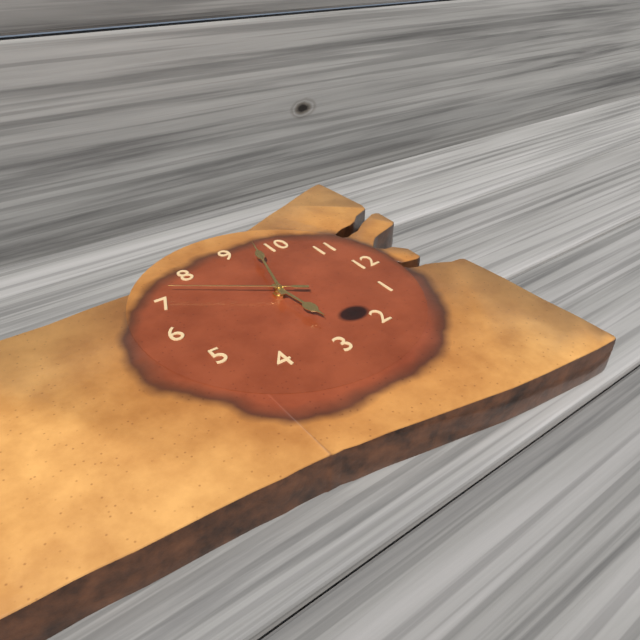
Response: 2:48:36
